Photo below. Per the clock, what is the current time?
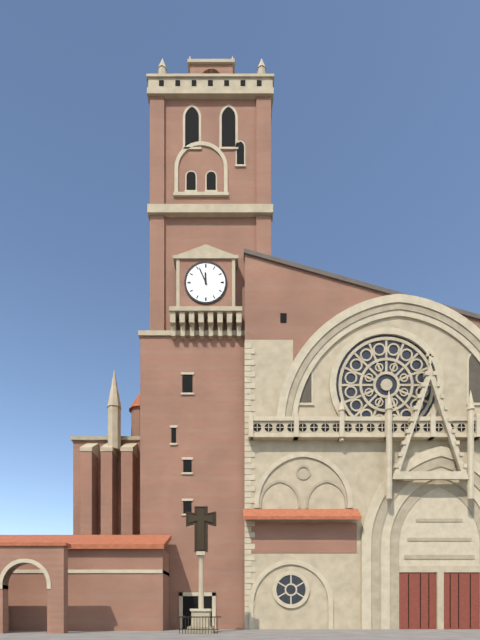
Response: 11:56
